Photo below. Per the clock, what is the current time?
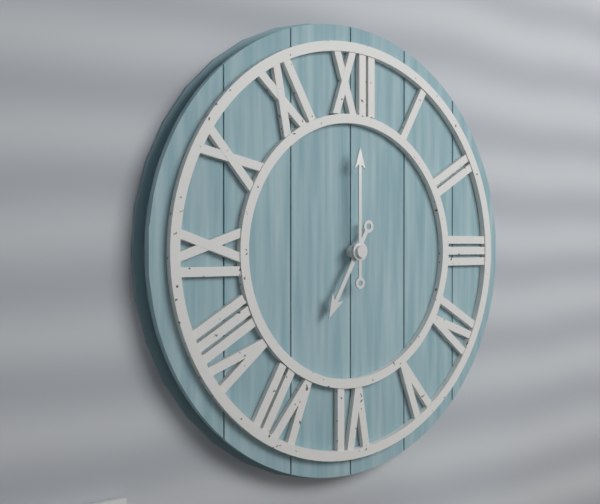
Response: 7:00
